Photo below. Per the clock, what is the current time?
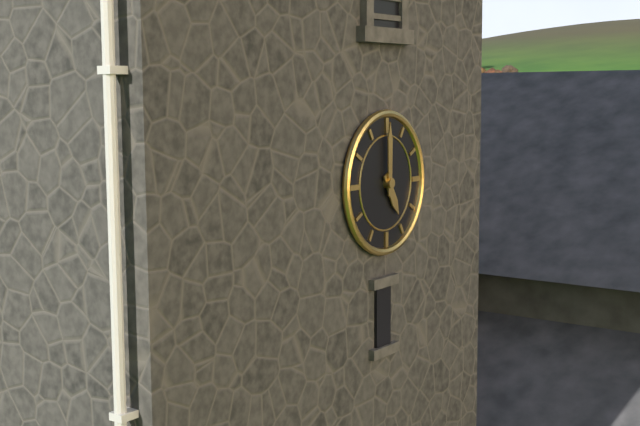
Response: 5:00
